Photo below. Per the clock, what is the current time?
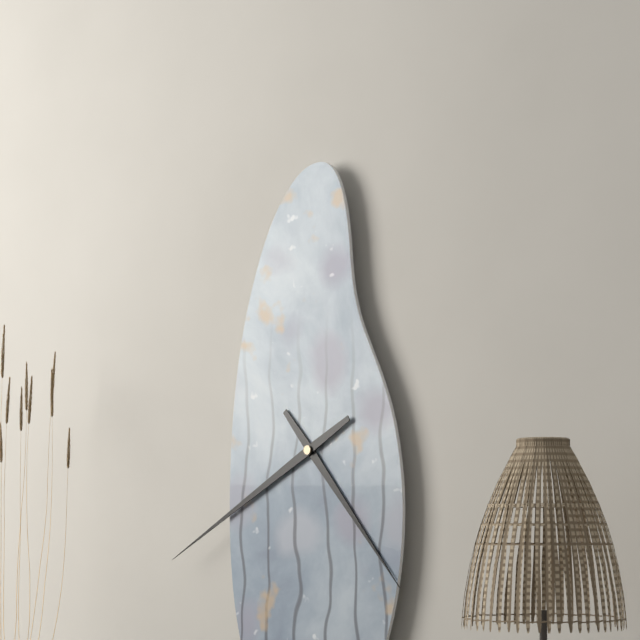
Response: 4:40
